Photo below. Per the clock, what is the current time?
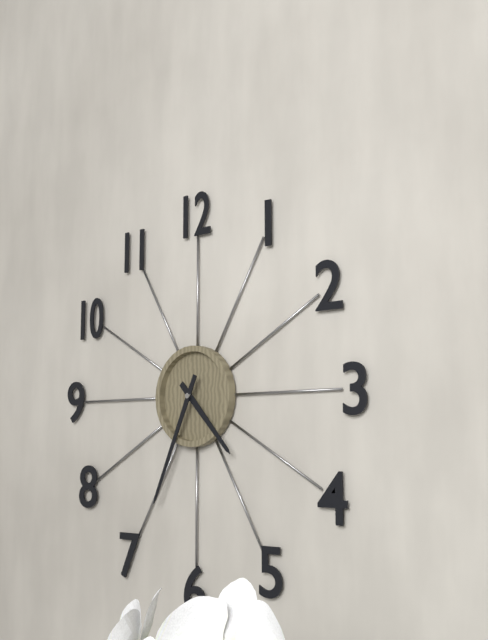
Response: 4:34
